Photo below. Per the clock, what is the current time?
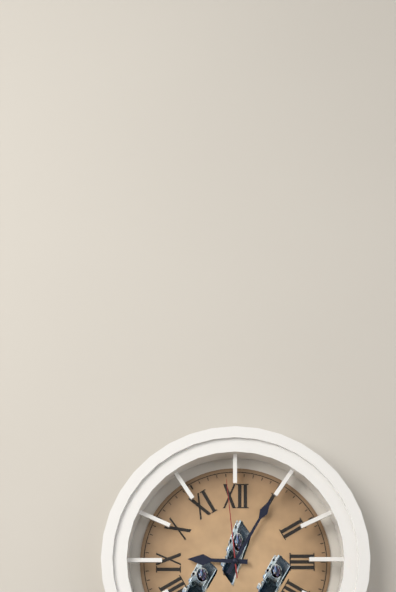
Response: 9:05:59
